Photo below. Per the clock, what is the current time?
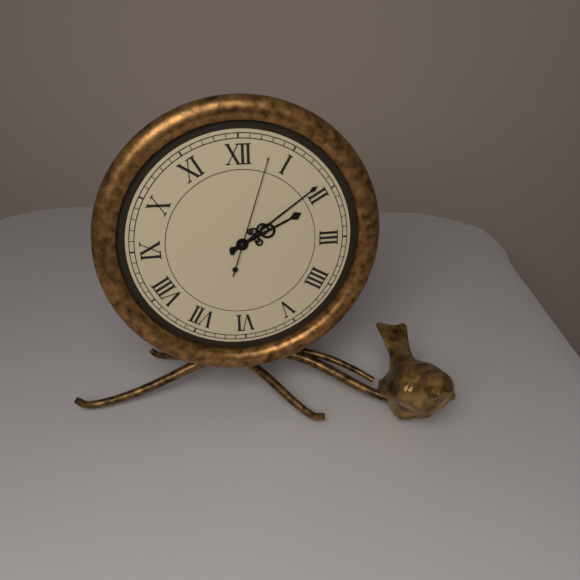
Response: 2:09:03
